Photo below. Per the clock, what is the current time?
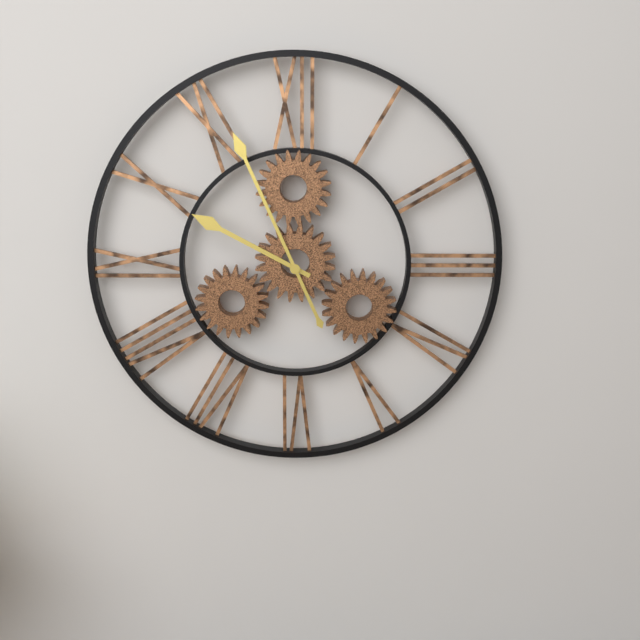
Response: 9:56
